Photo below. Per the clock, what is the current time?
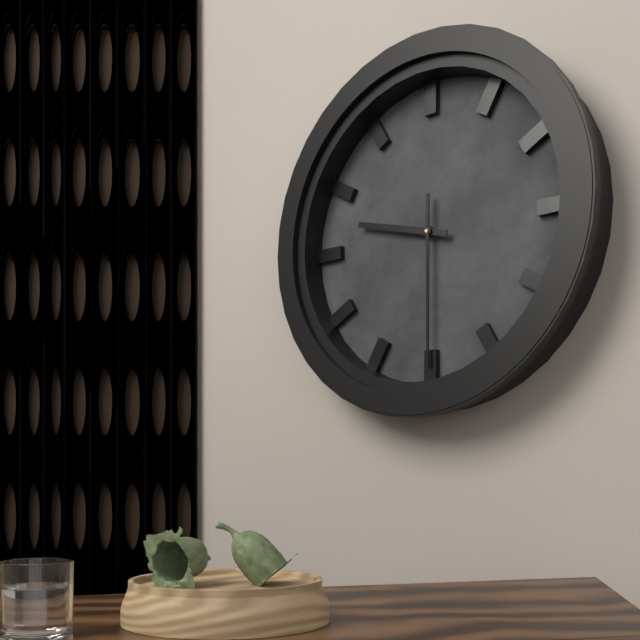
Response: 9:30
